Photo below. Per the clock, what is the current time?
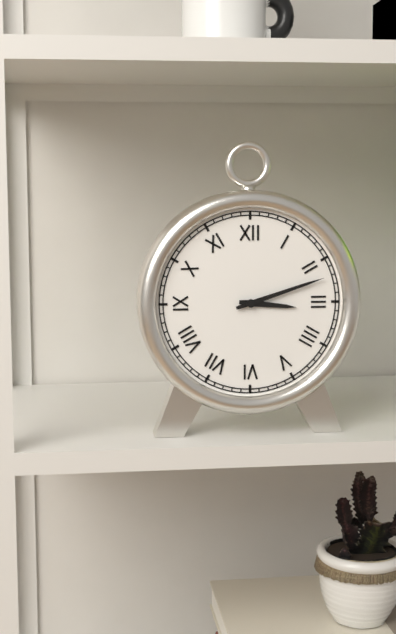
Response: 3:12
